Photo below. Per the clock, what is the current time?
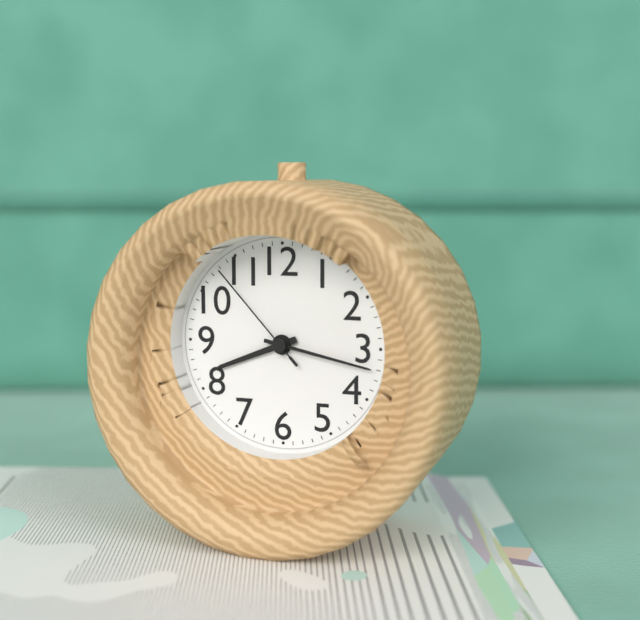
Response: 8:17:53
